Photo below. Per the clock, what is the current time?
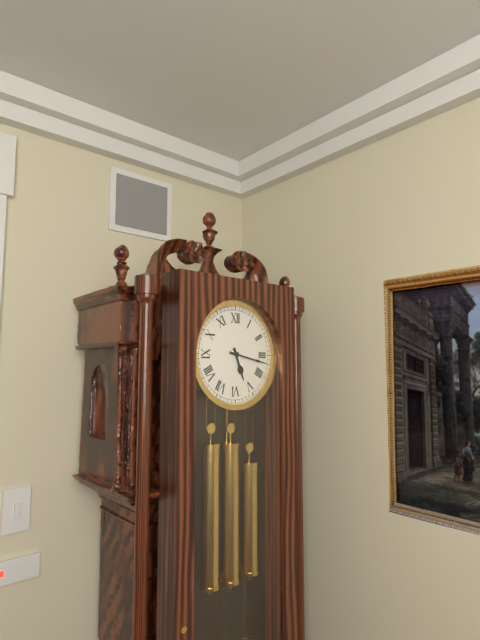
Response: 5:17
